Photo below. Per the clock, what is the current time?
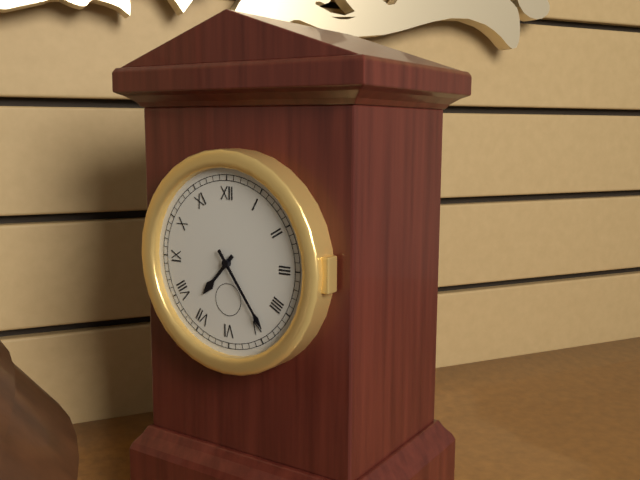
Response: 7:24
